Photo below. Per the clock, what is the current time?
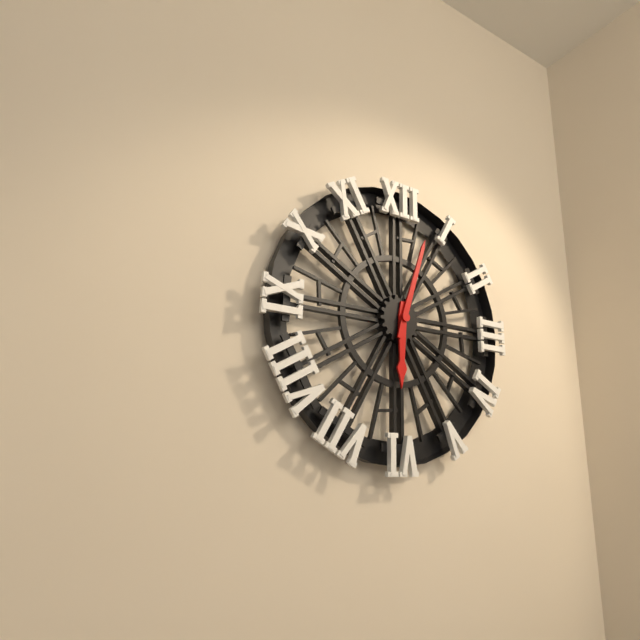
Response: 6:03
